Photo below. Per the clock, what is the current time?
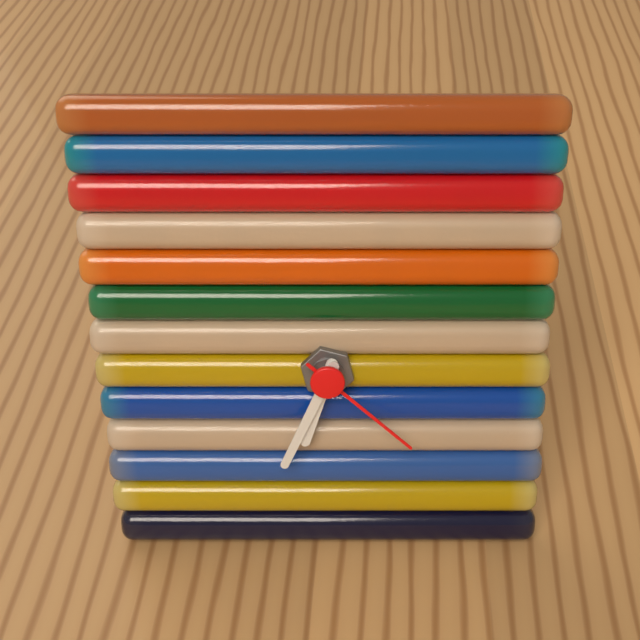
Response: 6:34:22
